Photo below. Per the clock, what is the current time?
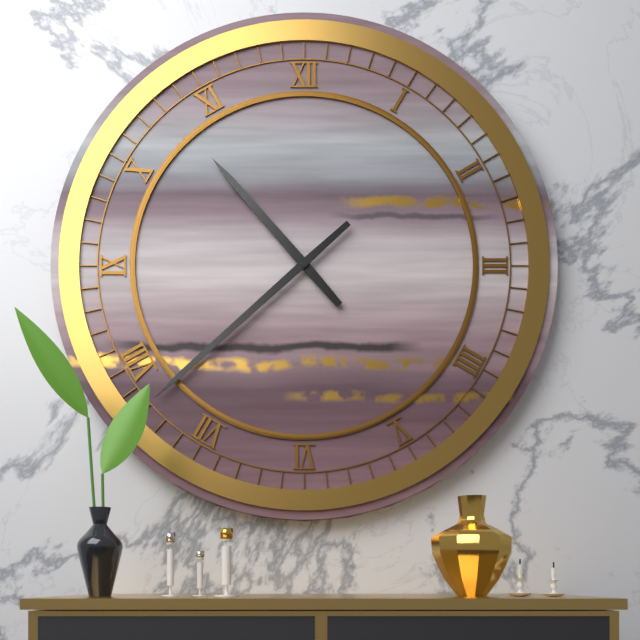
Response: 10:38
